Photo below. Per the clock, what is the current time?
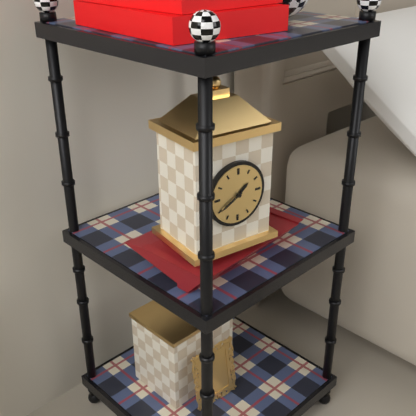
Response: 1:40
